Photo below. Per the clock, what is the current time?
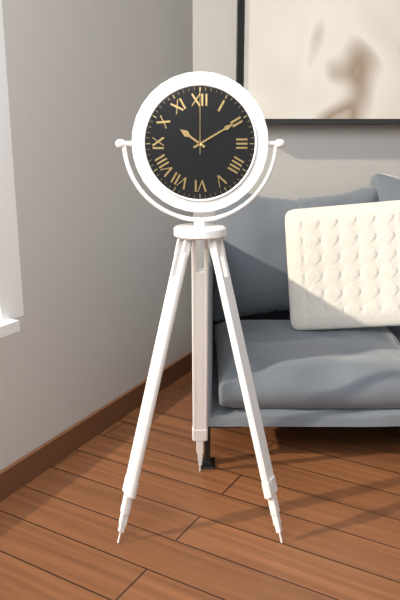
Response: 10:10:00
